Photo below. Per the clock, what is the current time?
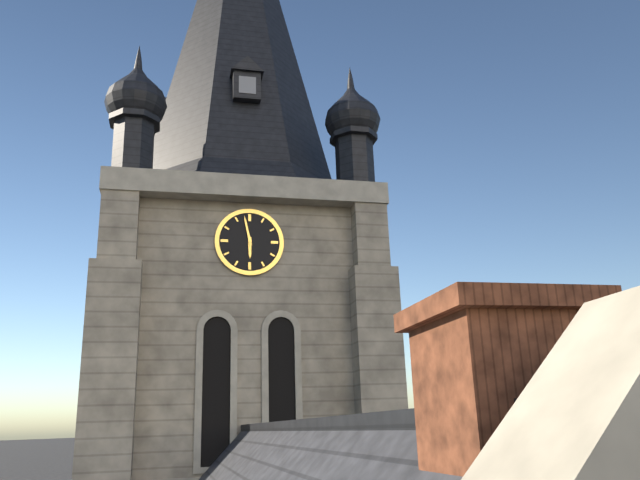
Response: 5:58
